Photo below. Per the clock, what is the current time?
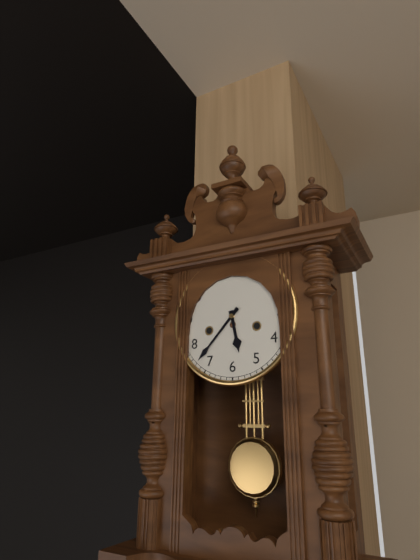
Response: 5:37
